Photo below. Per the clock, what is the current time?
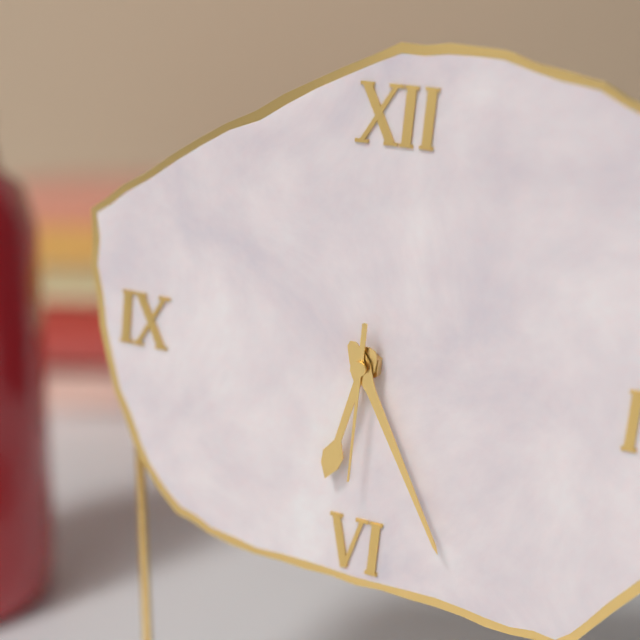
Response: 6:25:30
